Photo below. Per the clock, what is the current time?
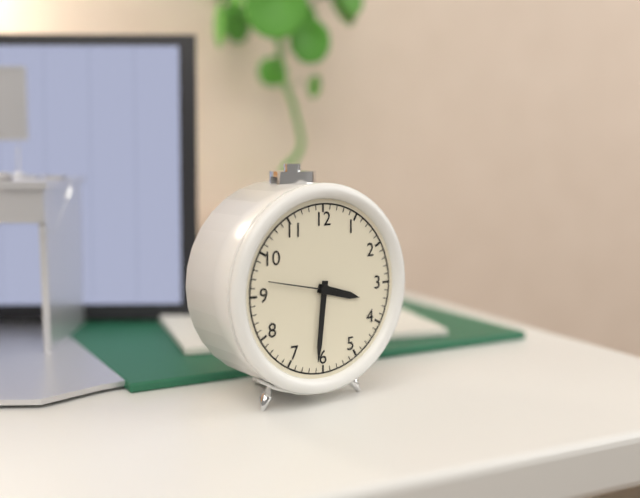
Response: 3:31:47
